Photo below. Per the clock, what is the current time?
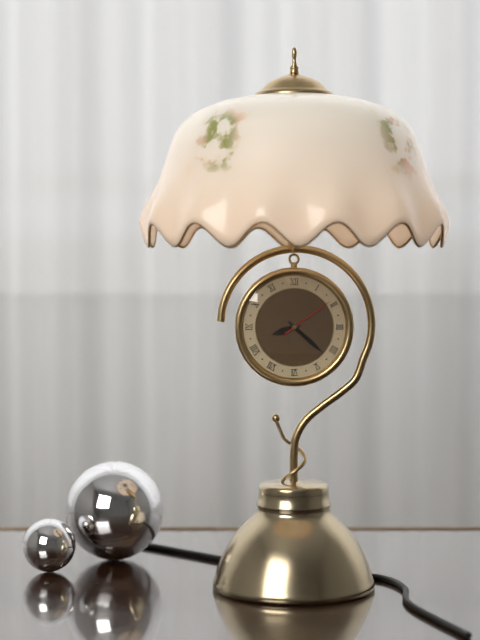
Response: 8:22:09
